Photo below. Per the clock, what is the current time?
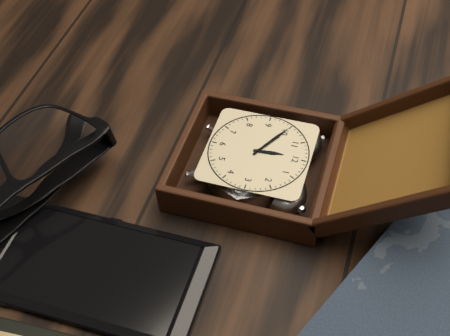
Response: 11:50
